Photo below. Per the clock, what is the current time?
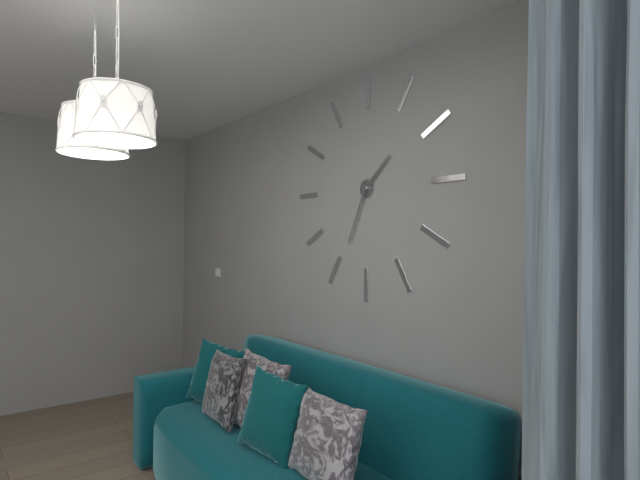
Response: 1:34
